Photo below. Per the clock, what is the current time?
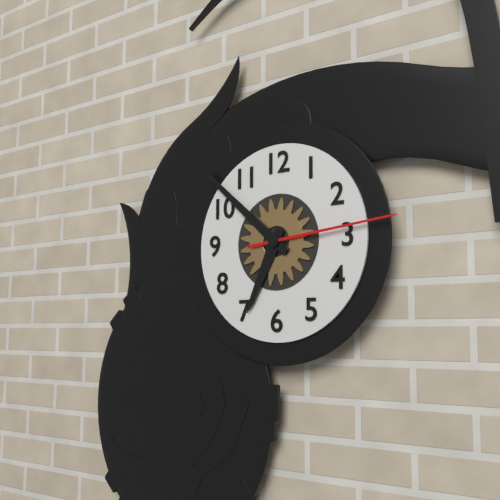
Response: 6:52:14
